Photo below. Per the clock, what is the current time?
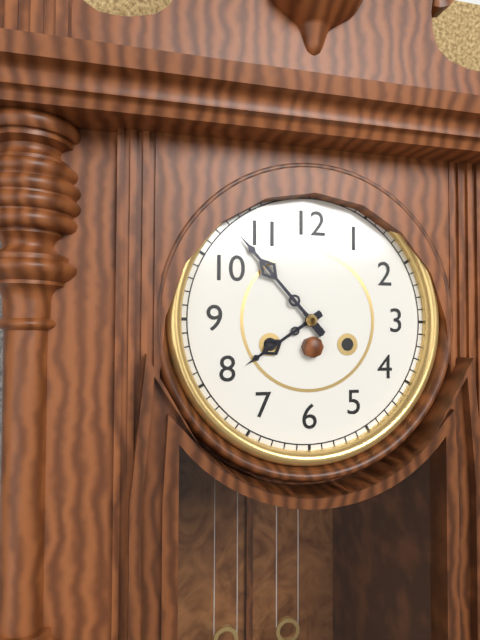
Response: 7:53
